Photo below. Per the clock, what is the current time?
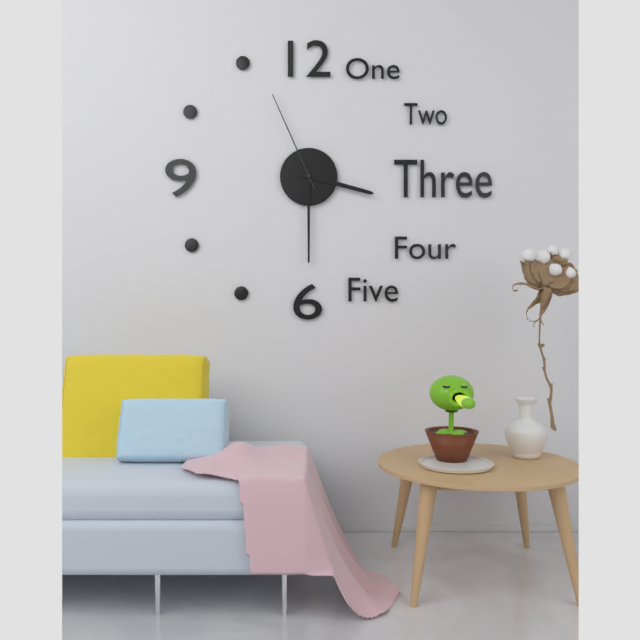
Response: 3:30:56
